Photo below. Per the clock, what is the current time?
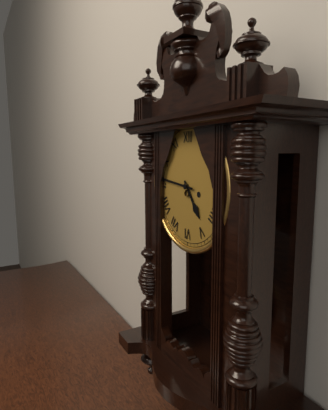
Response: 4:46
